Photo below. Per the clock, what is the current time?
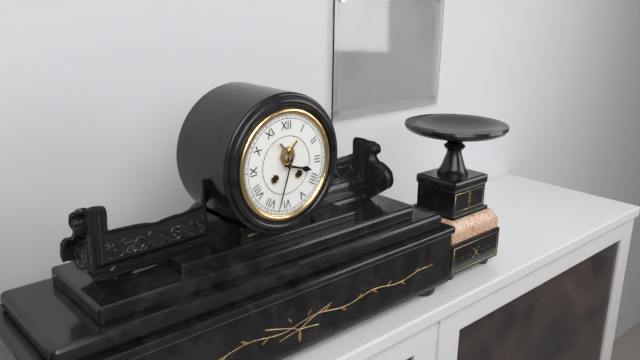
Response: 3:33
